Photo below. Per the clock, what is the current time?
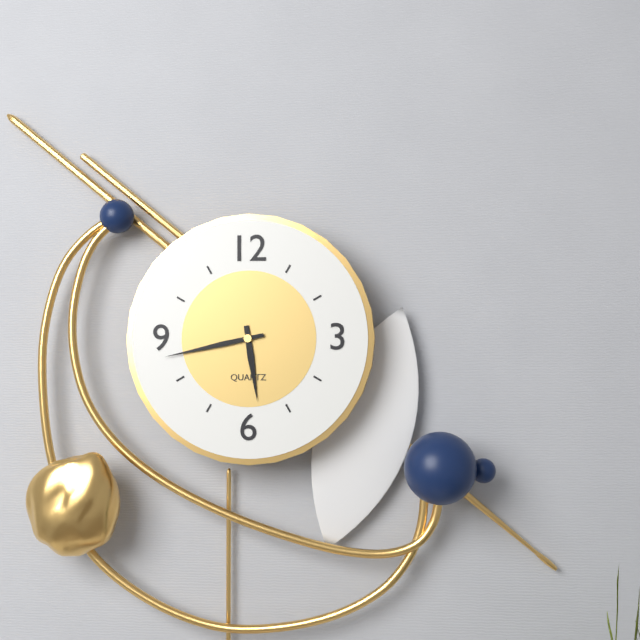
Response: 5:43
